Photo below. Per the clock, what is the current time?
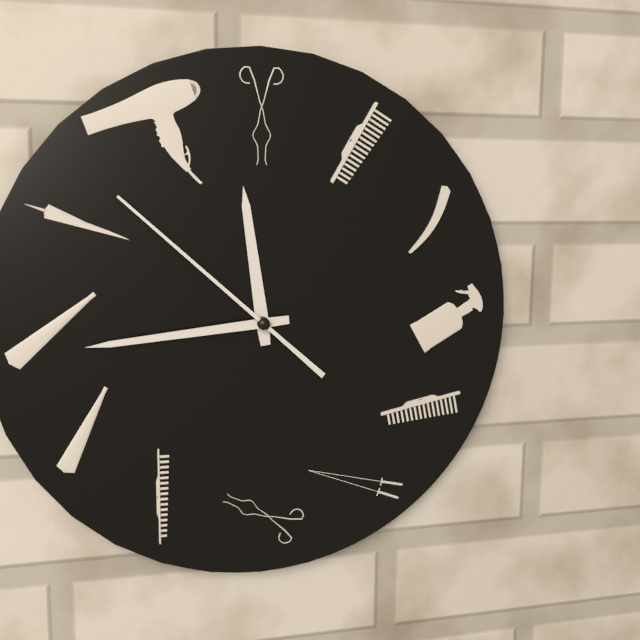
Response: 11:44:52
